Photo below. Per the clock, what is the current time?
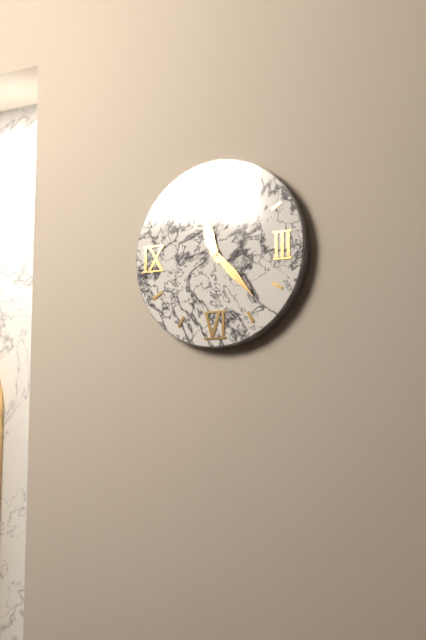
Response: 11:23
